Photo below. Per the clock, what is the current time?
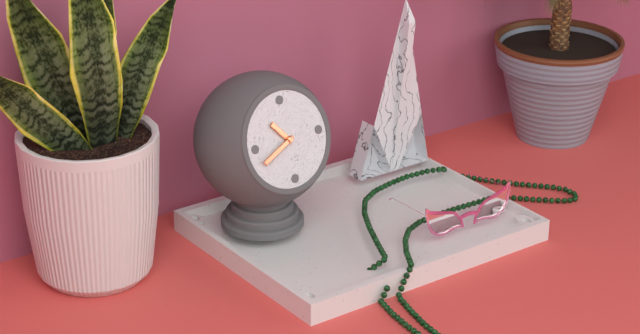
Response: 10:41
